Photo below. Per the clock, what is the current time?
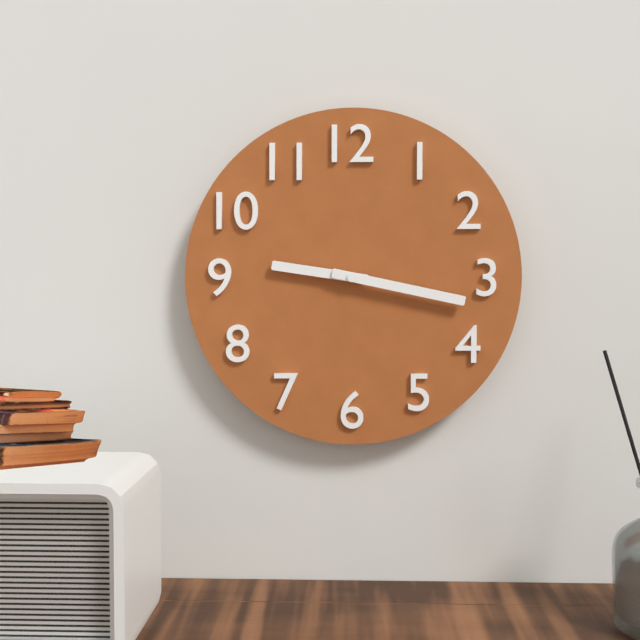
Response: 9:17
